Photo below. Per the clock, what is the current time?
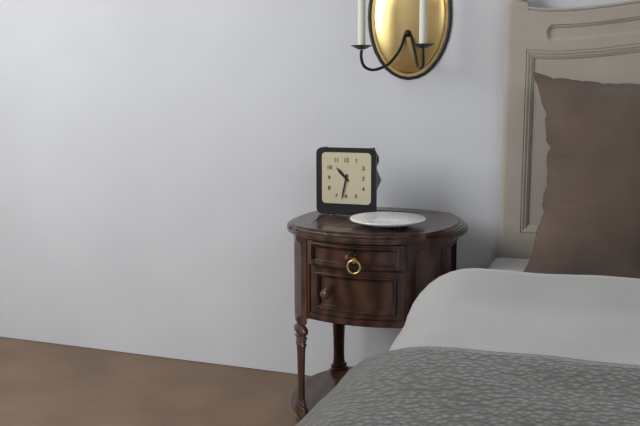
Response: 10:32
